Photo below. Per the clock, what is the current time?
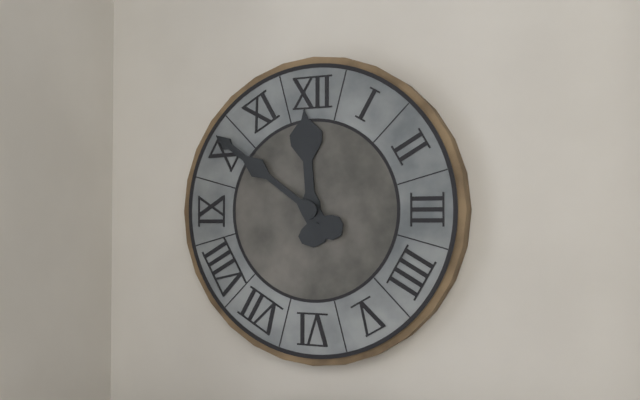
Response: 11:51
